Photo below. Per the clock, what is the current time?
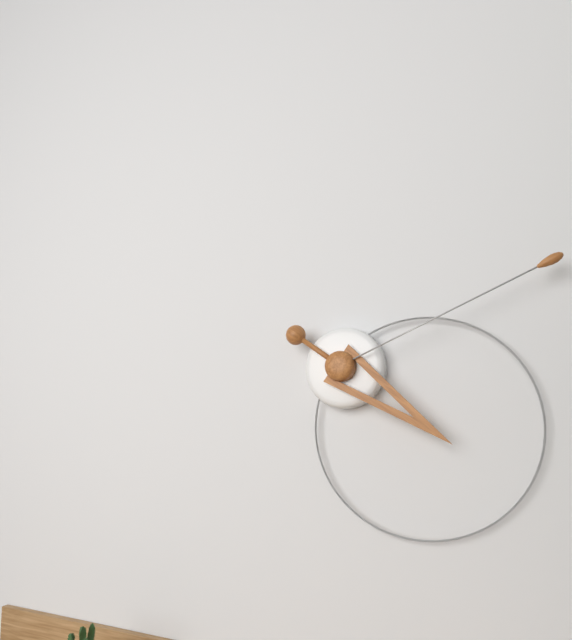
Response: 4:11
